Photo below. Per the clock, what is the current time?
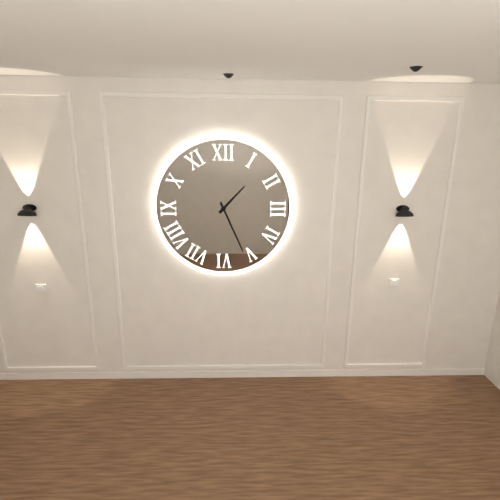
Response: 1:26
